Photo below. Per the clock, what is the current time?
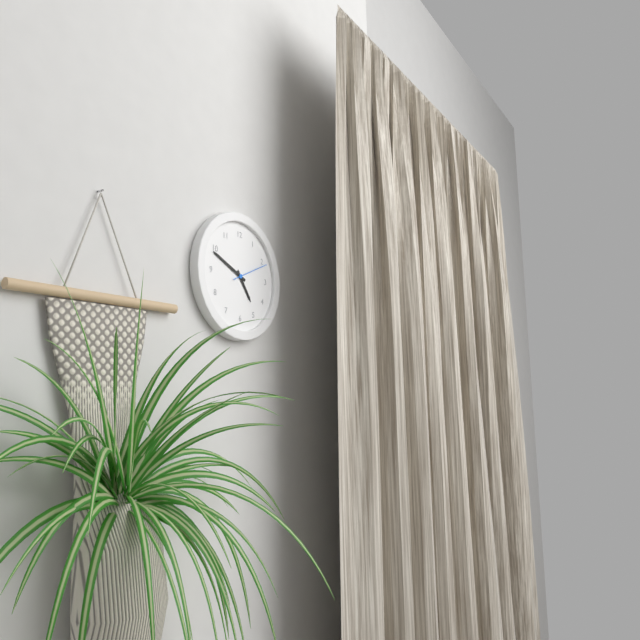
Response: 4:49
